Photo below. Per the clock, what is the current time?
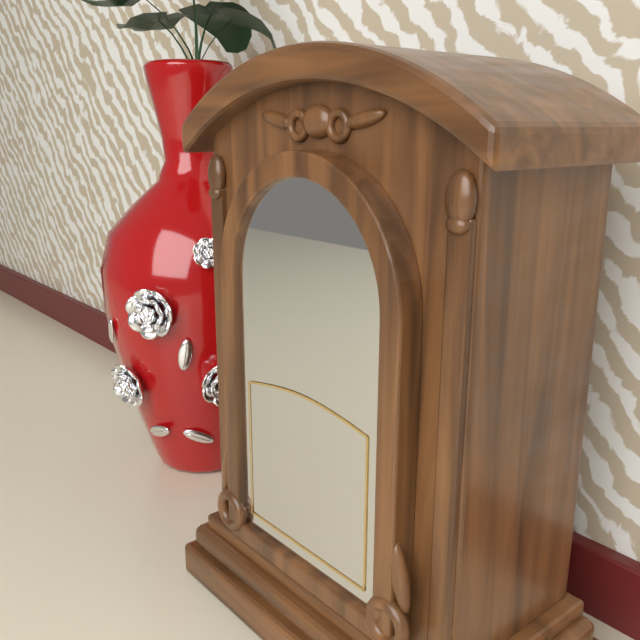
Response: 8:51
